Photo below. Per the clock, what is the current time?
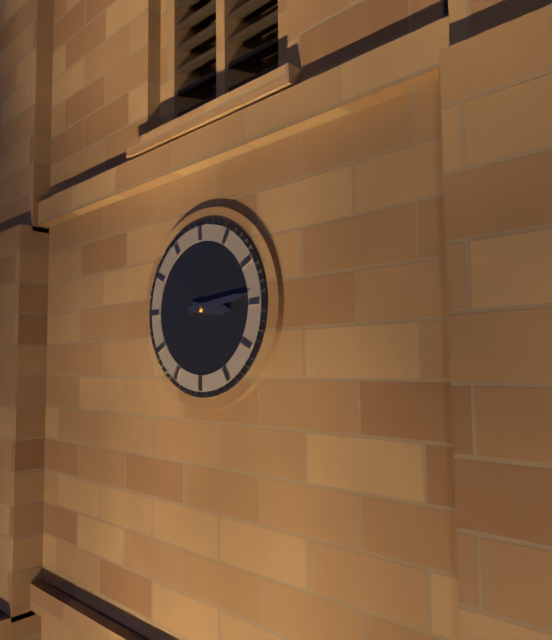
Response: 3:14
